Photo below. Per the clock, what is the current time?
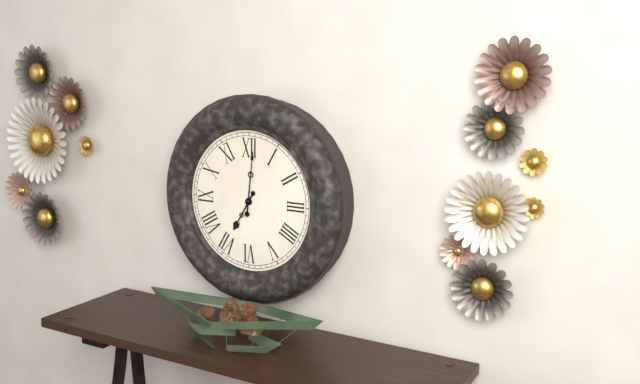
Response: 7:01
